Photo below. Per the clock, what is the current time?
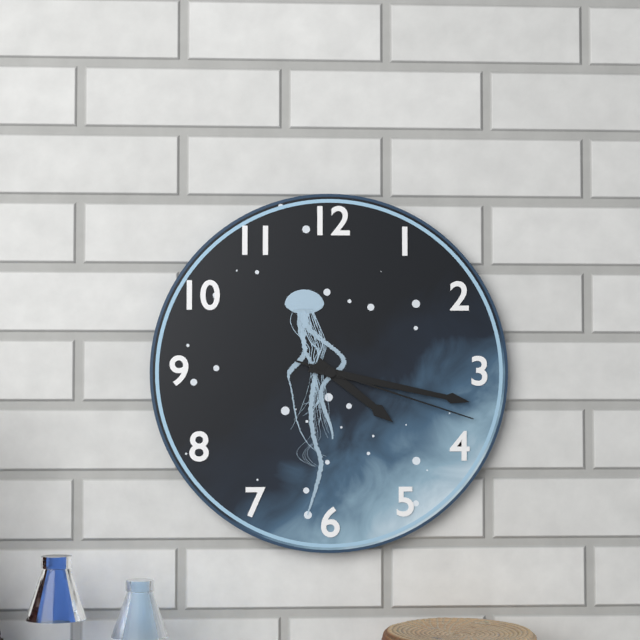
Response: 4:17:18
